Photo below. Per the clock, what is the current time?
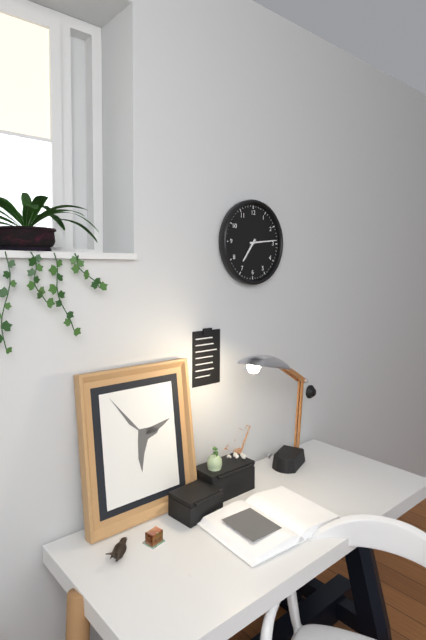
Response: 7:14
